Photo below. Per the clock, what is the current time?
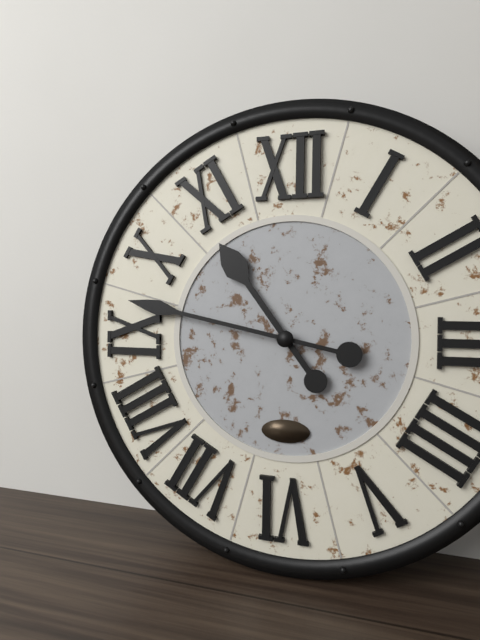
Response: 10:47
